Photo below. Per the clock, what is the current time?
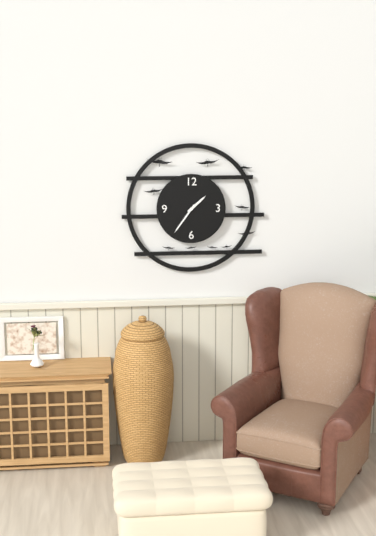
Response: 1:36
